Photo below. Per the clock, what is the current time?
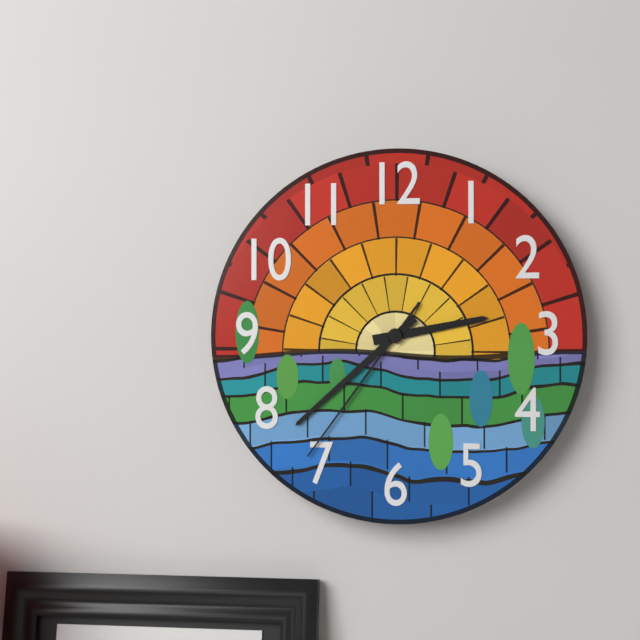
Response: 2:38:36
